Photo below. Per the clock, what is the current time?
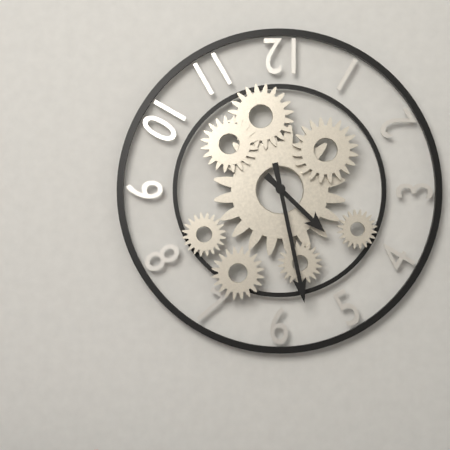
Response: 4:28
